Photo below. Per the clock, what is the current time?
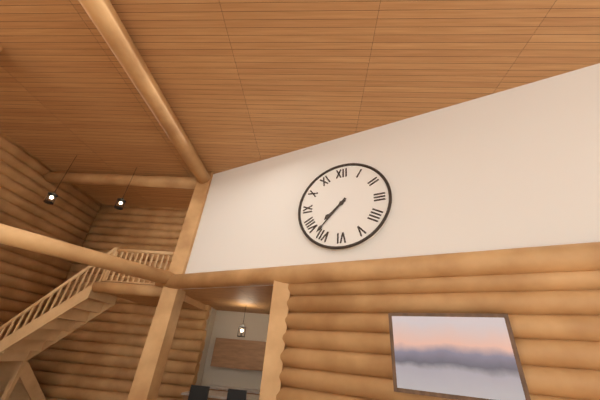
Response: 7:37
